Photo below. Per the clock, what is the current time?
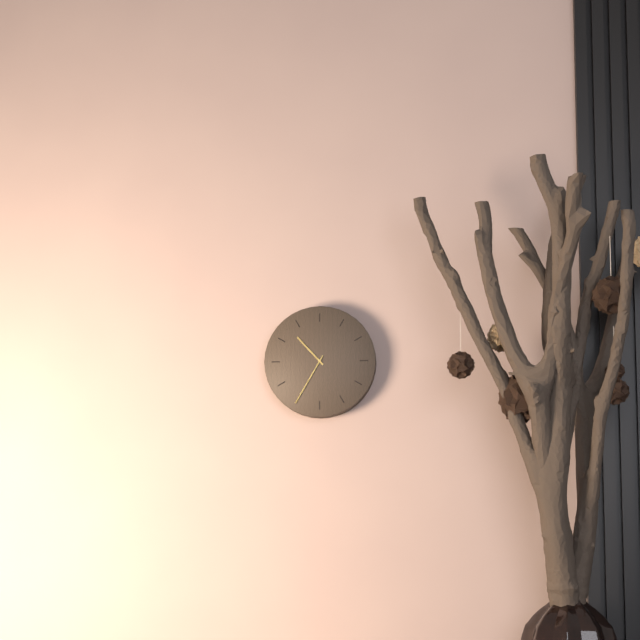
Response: 10:35
